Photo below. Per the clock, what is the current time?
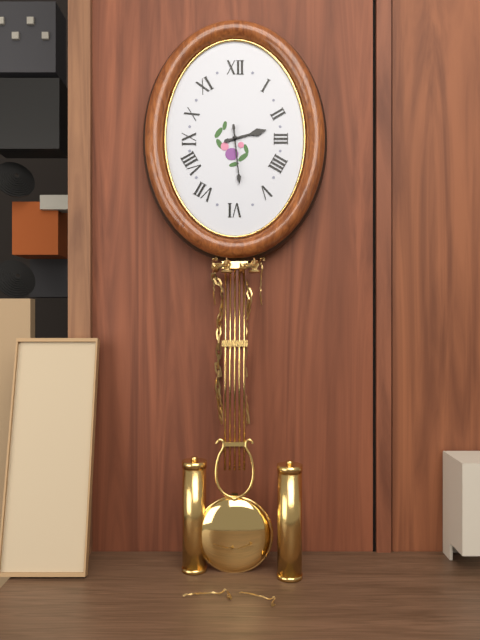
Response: 2:29
